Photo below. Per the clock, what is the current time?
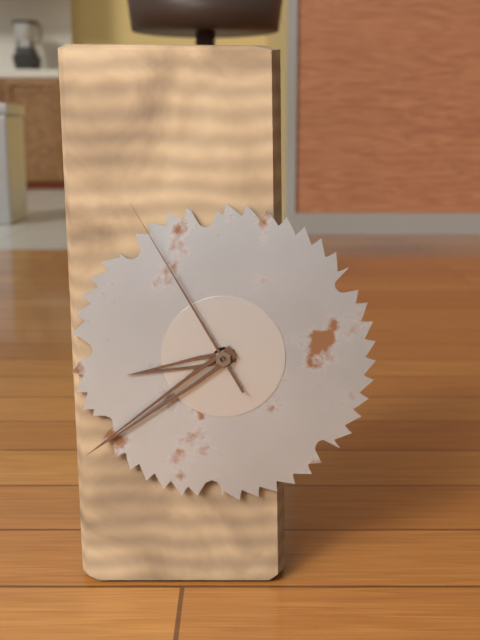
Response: 8:39:55
